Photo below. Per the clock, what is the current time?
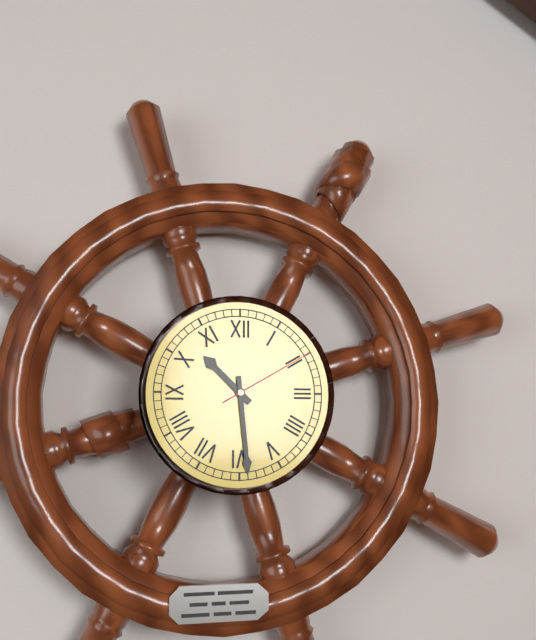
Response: 10:29:10
